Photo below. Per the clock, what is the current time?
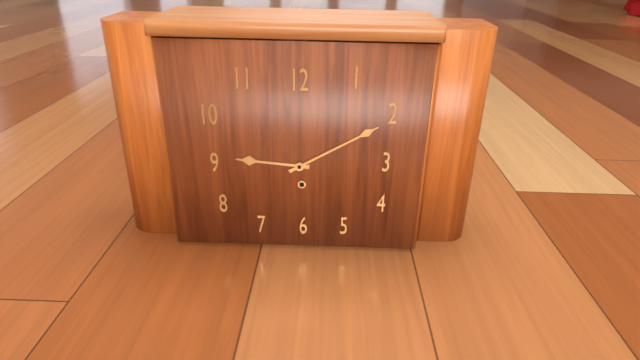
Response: 9:10
